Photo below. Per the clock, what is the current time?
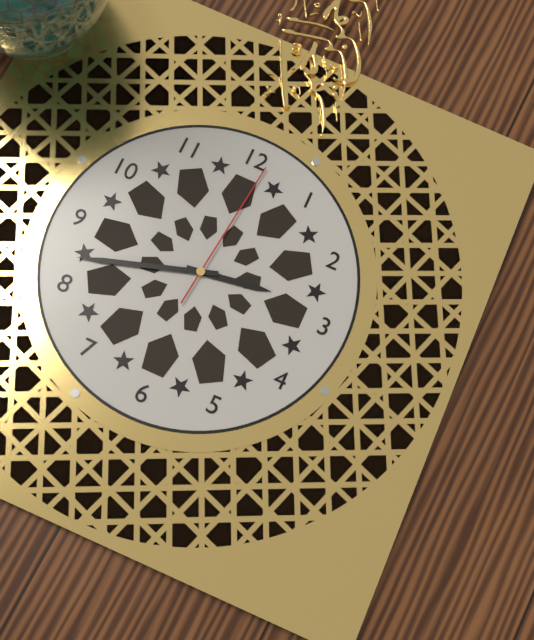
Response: 2:42:01
